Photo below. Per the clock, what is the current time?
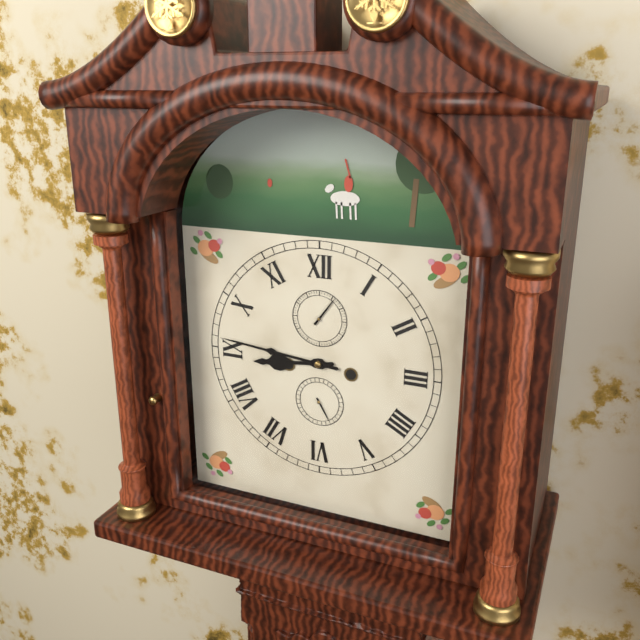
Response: 8:46
